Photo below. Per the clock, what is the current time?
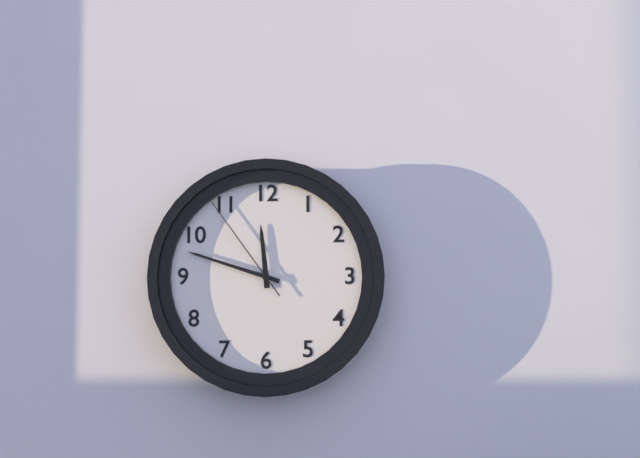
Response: 11:48:54
